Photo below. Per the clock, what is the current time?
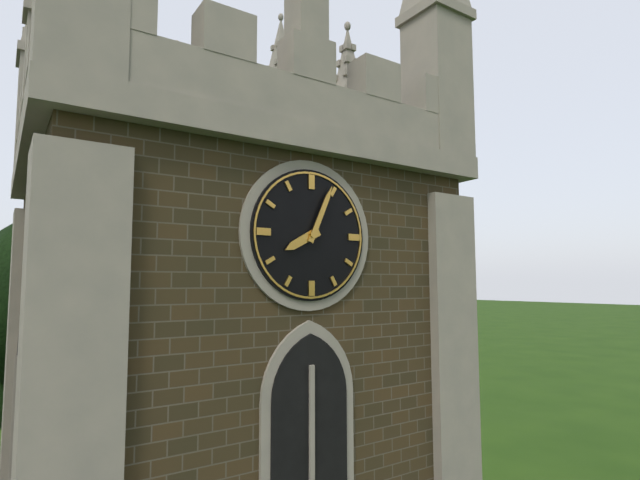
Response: 8:04
